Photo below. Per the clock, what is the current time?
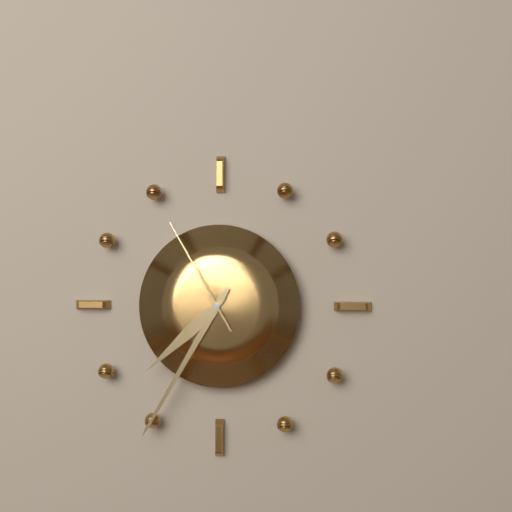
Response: 7:35:55
